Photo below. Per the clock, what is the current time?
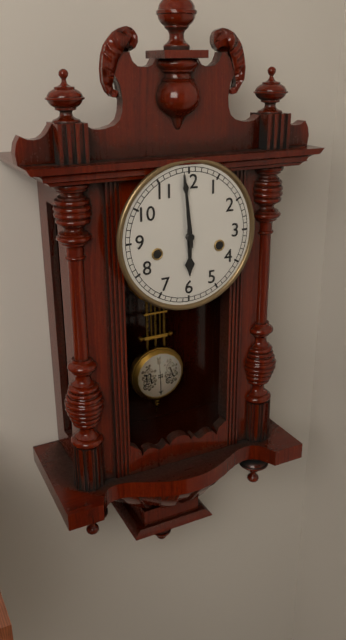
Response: 5:59
